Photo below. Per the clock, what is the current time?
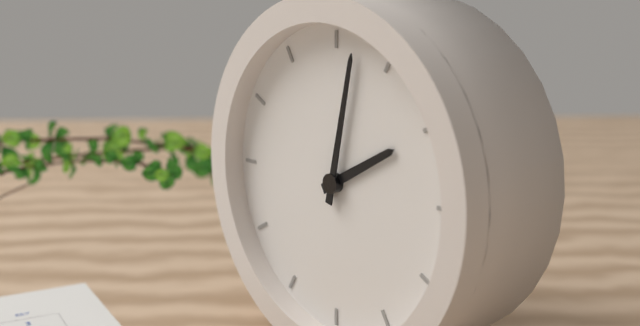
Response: 2:02
